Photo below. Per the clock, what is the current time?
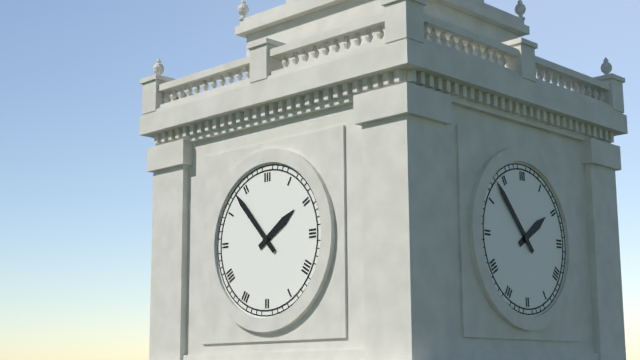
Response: 1:53
